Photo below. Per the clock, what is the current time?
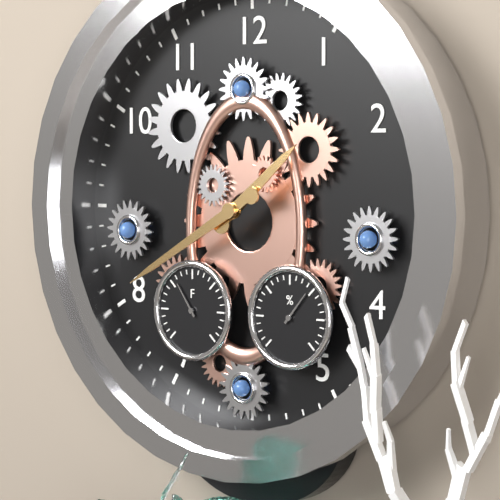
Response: 1:40
